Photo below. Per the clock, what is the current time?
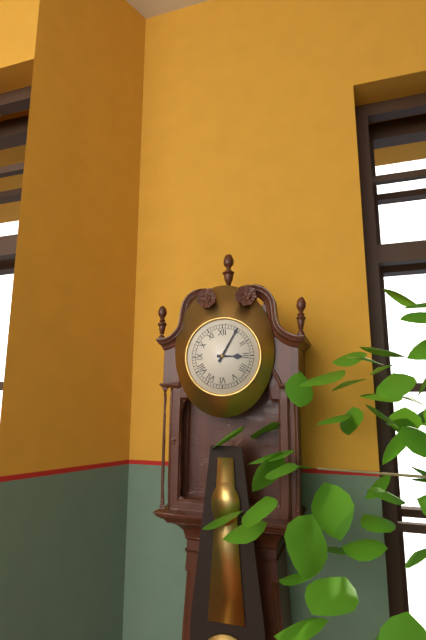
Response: 3:05
